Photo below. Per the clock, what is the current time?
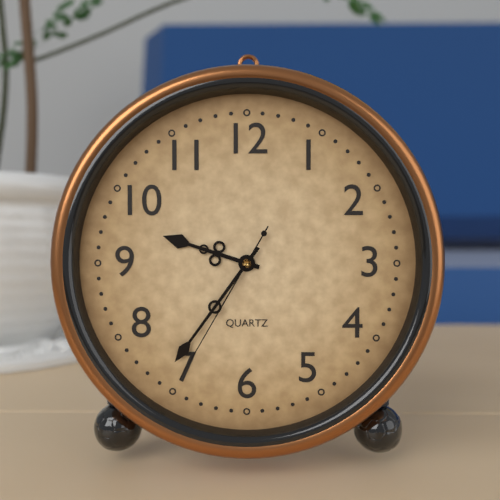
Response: 9:36:35
